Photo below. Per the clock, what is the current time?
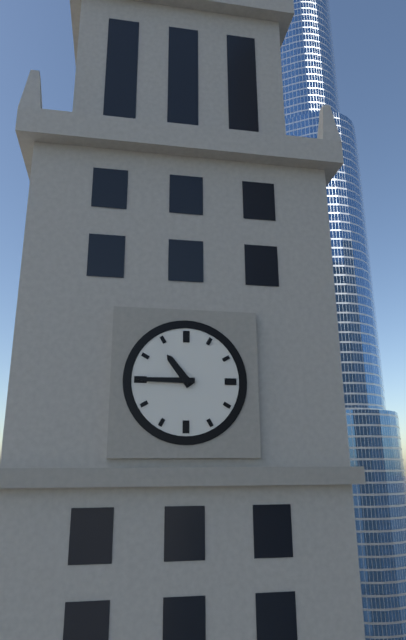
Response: 10:45
